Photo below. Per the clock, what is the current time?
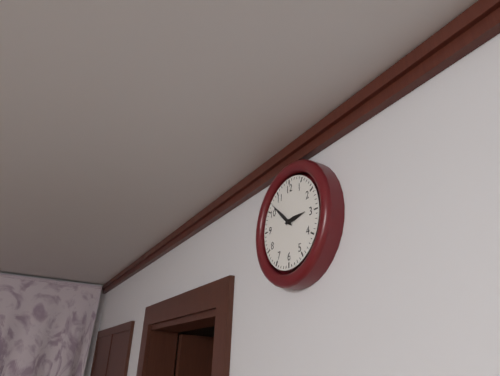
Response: 2:52
